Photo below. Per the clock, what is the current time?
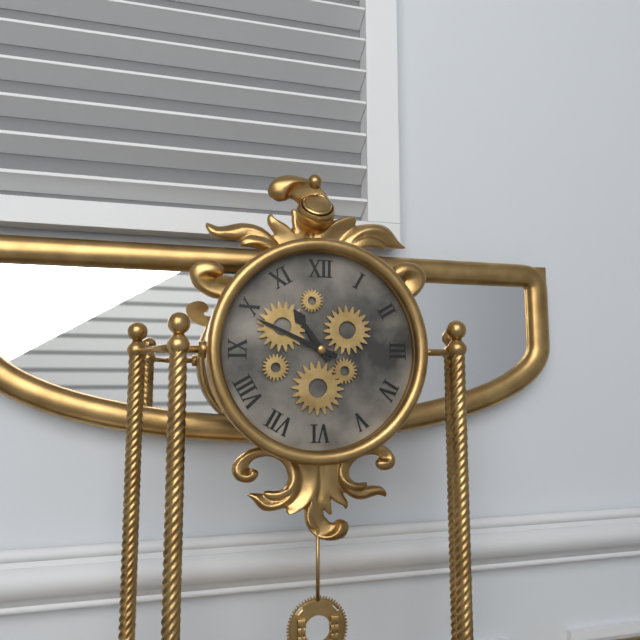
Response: 10:49
